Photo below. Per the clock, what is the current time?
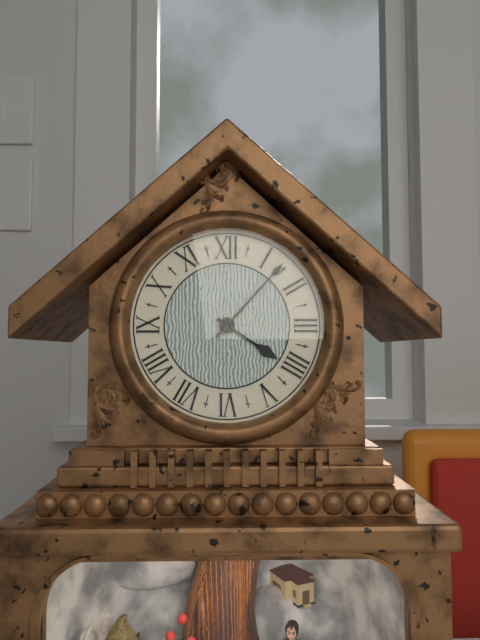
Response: 4:07
